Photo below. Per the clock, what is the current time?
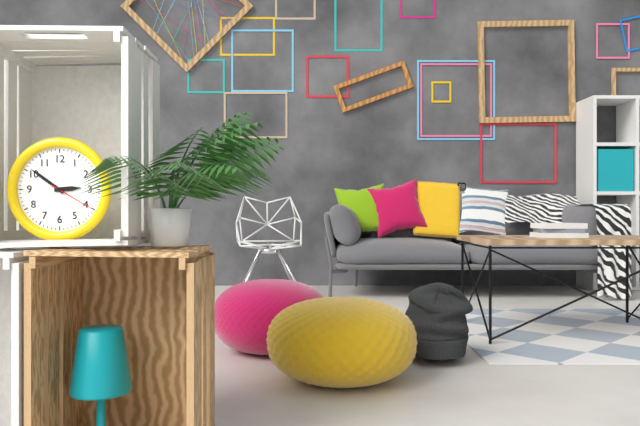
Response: 2:51
